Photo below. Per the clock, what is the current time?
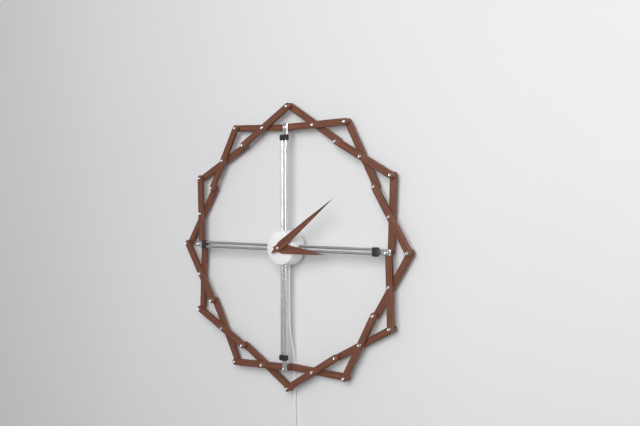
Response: 3:09
